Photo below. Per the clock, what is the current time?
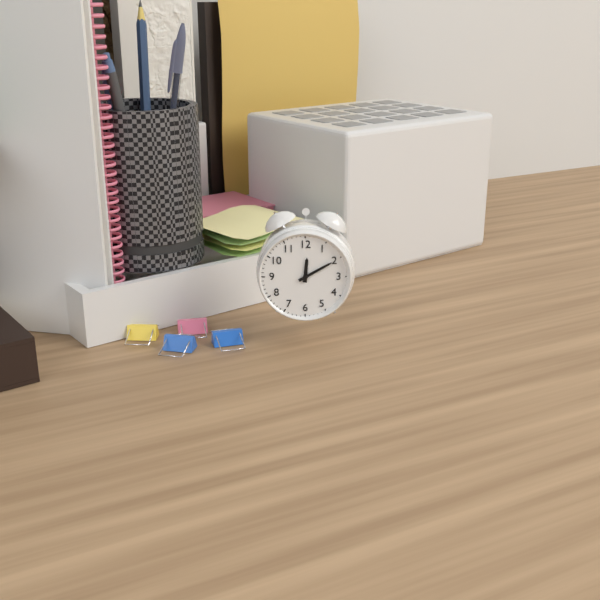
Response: 12:10
